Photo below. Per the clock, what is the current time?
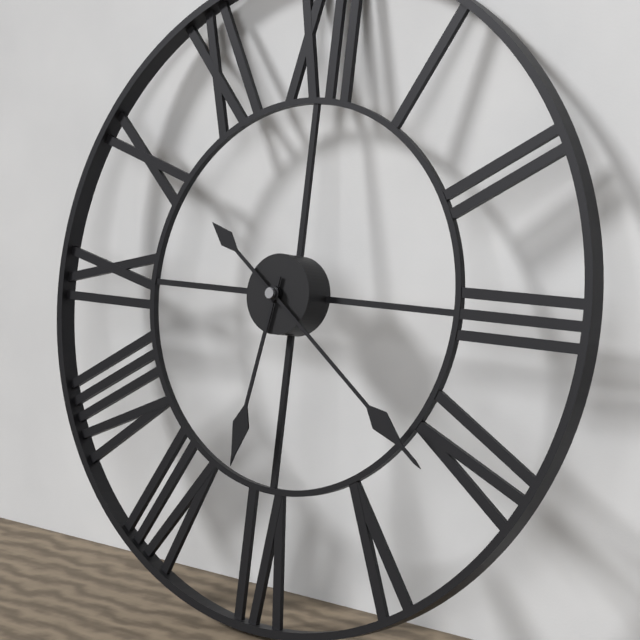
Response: 6:21
